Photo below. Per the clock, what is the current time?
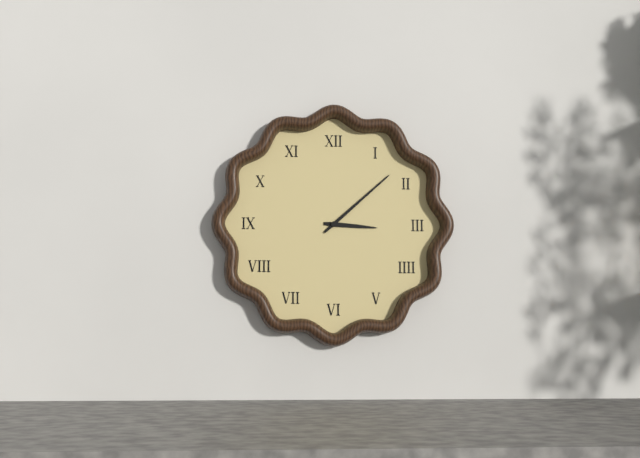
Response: 3:08
